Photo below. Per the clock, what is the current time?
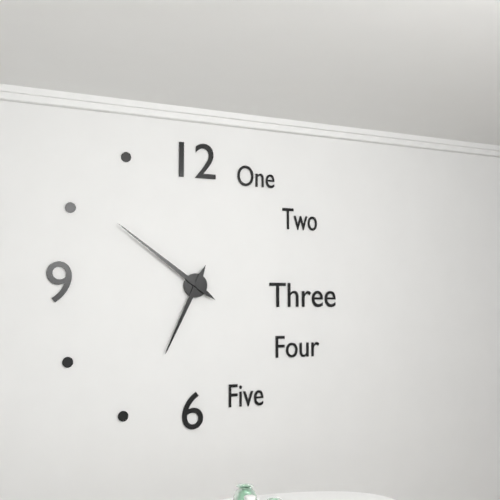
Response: 6:51
